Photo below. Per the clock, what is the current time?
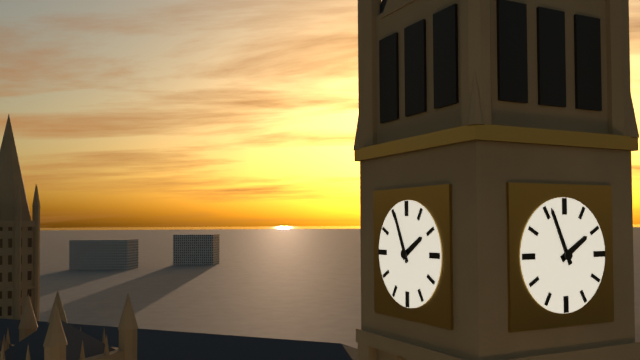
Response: 1:56
